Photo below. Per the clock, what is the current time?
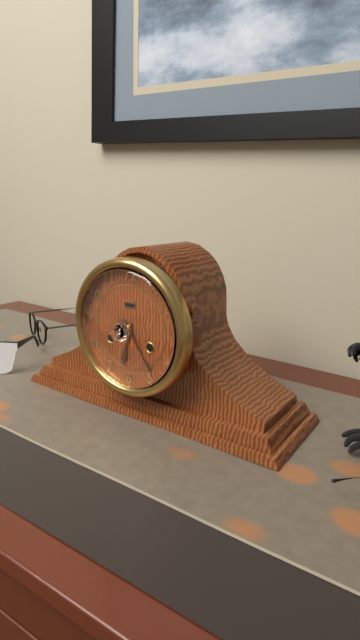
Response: 6:24
